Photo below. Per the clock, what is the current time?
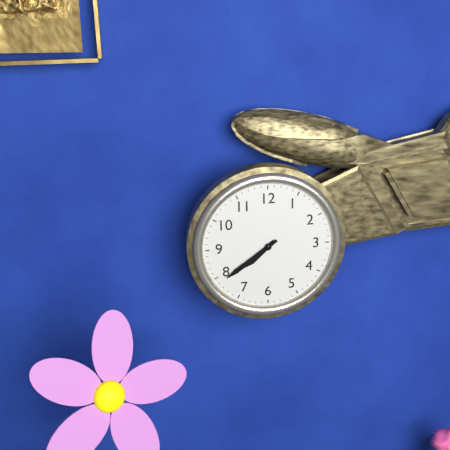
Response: 7:39
